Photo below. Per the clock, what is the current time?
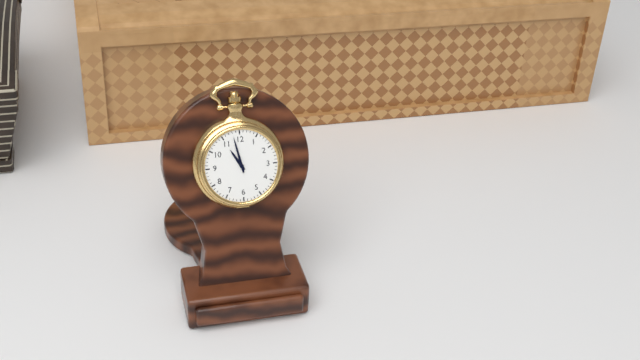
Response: 10:58
